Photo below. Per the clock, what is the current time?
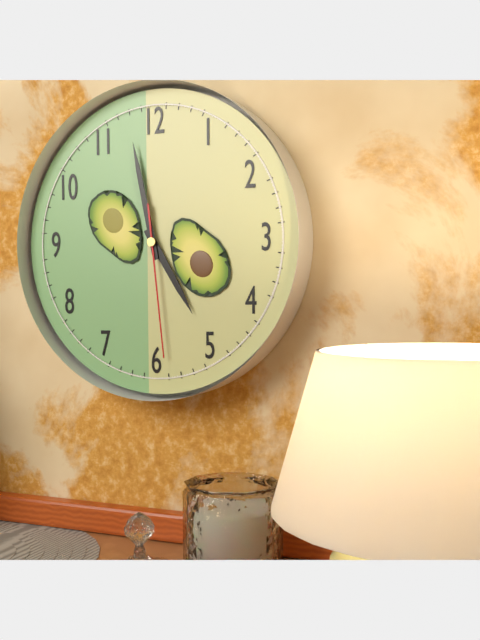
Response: 4:58:29
